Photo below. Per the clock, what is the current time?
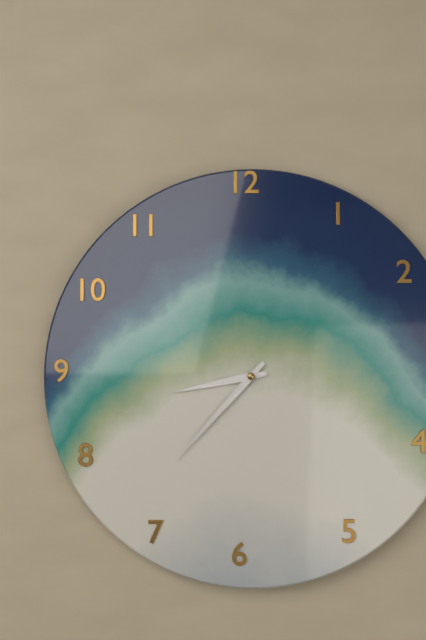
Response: 8:37
